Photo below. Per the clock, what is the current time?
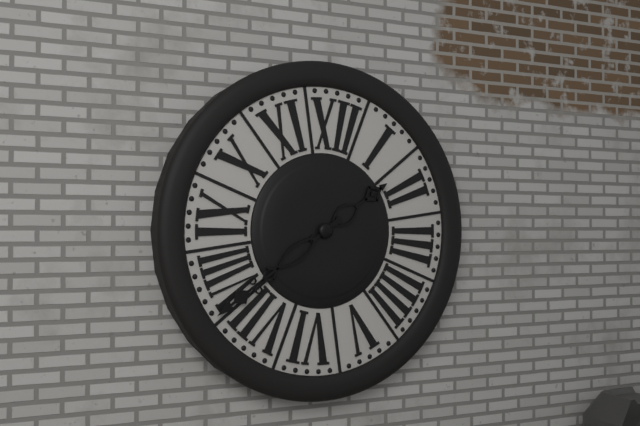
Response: 1:38
